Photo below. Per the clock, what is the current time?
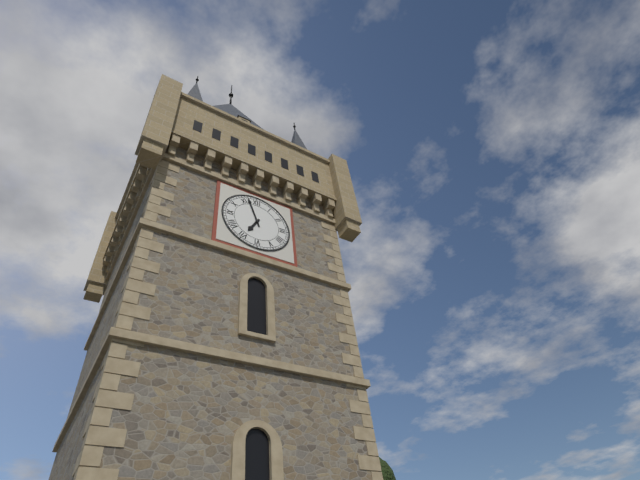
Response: 6:57
